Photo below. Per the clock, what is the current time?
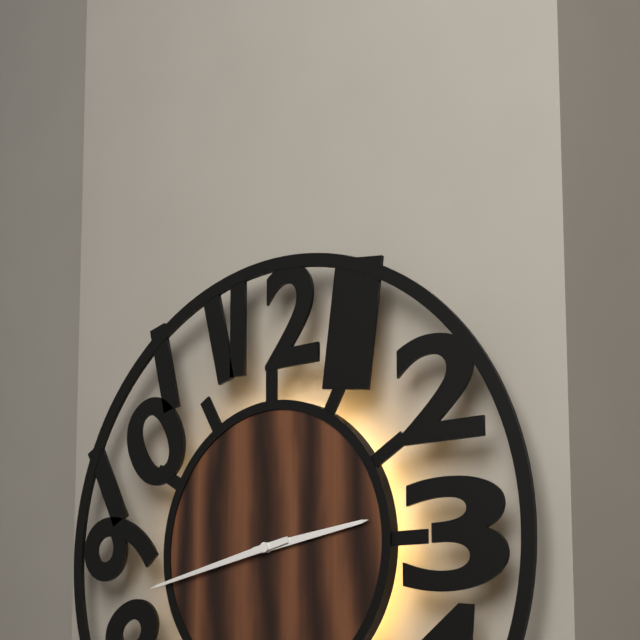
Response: 2:43
